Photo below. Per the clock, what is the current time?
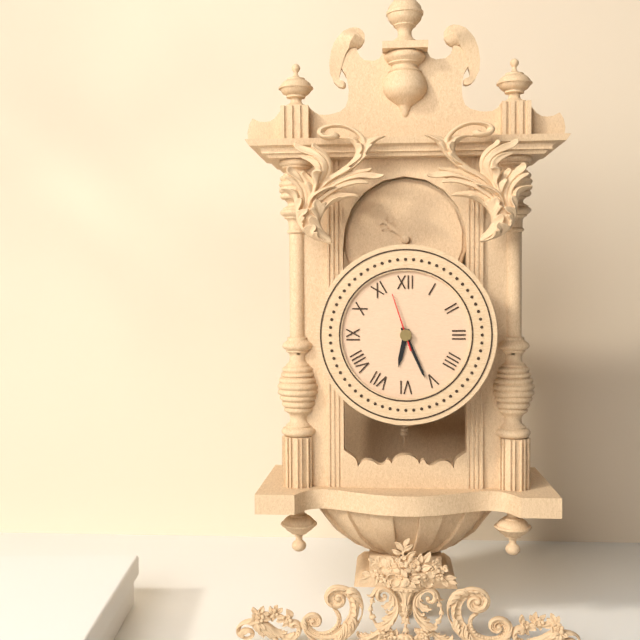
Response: 6:26:57
